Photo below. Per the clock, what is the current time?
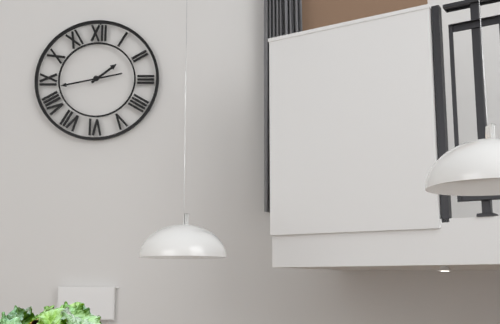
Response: 1:43
